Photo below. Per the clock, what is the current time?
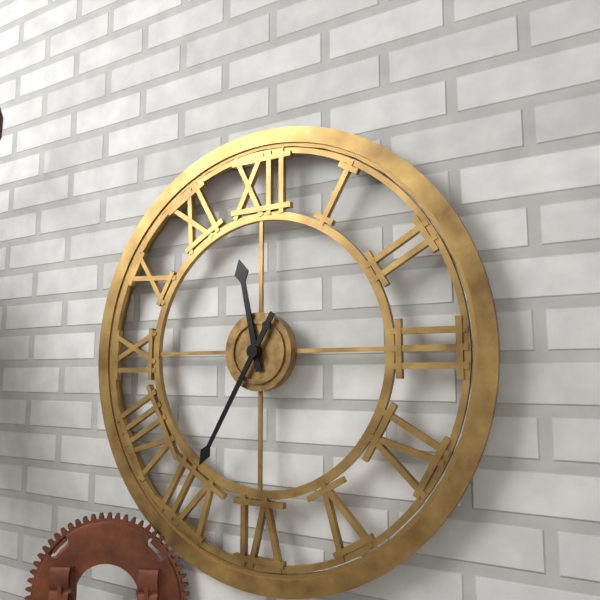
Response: 11:35
